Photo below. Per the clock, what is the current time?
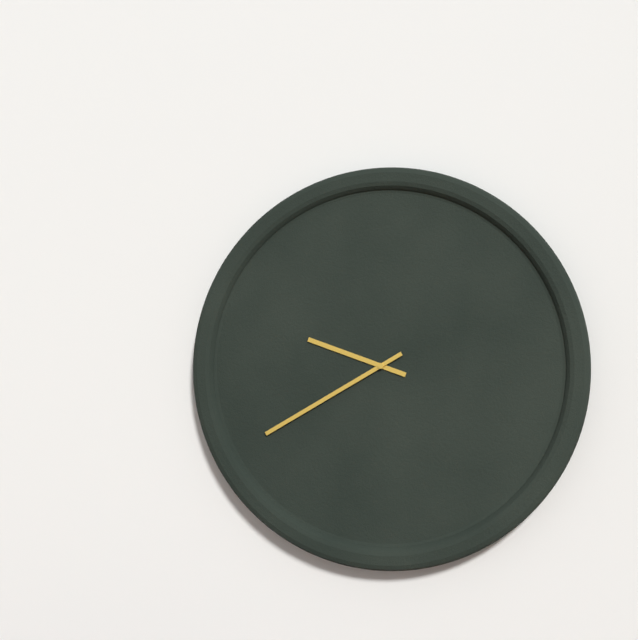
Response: 9:40
